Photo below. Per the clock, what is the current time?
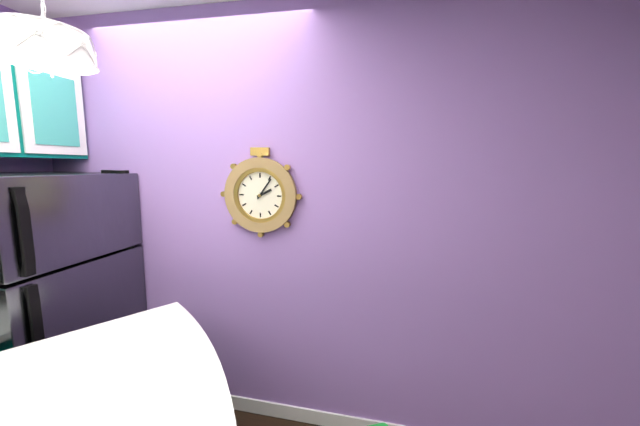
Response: 2:06
